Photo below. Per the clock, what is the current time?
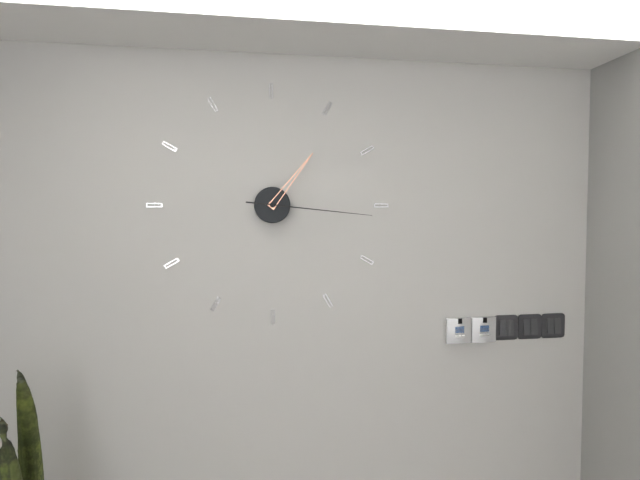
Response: 1:16
